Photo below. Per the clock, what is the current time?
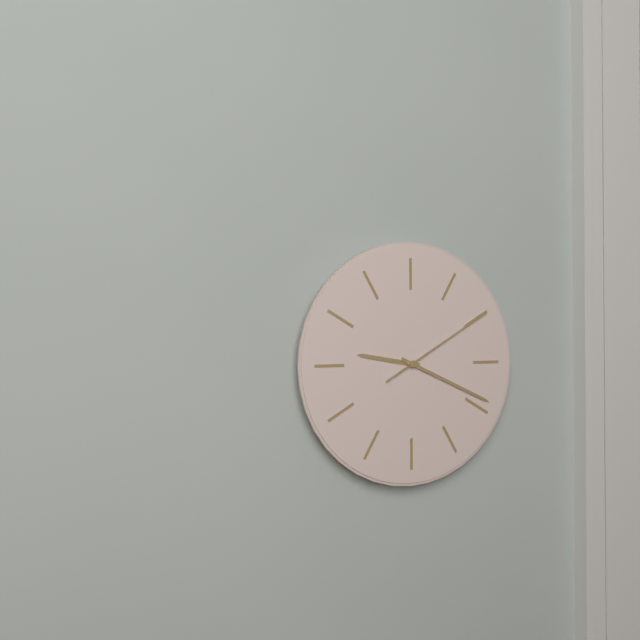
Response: 9:19:10
